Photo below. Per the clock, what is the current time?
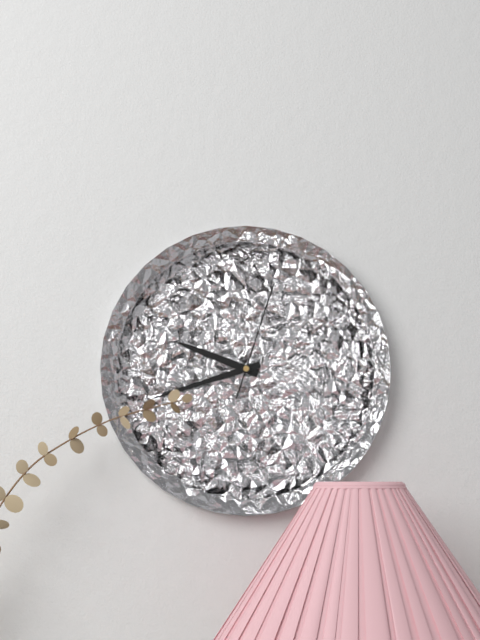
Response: 9:42:03
